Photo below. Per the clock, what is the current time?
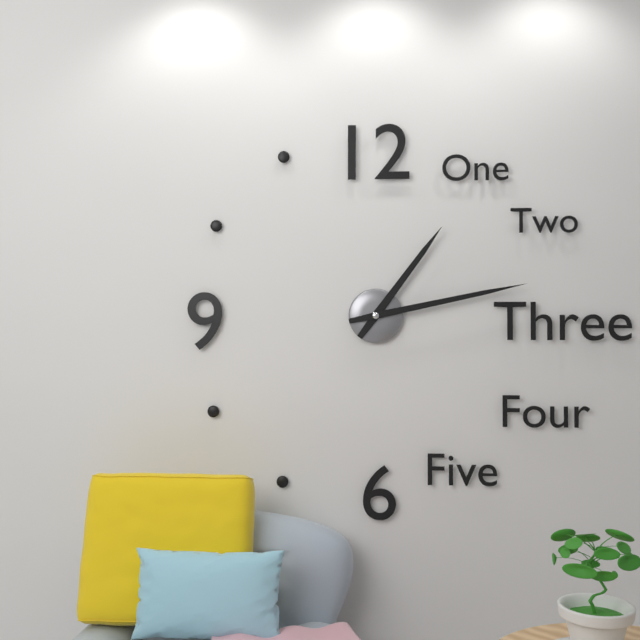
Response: 1:13
